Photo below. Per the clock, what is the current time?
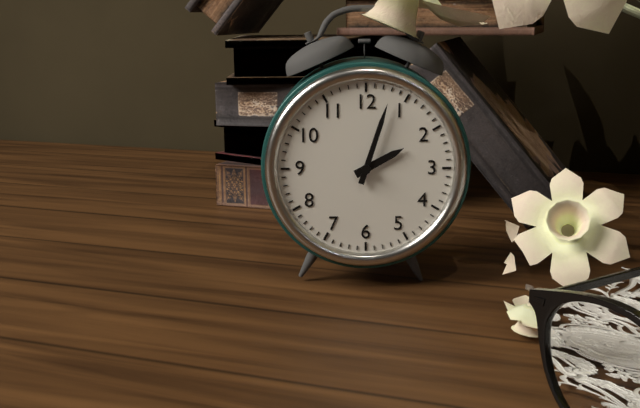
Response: 2:03
